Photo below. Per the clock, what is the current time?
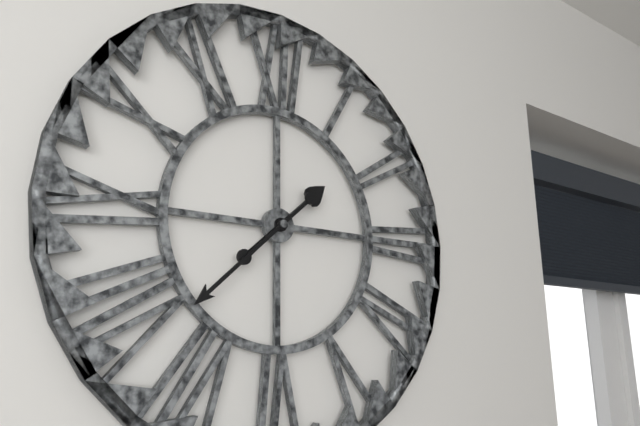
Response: 1:38
